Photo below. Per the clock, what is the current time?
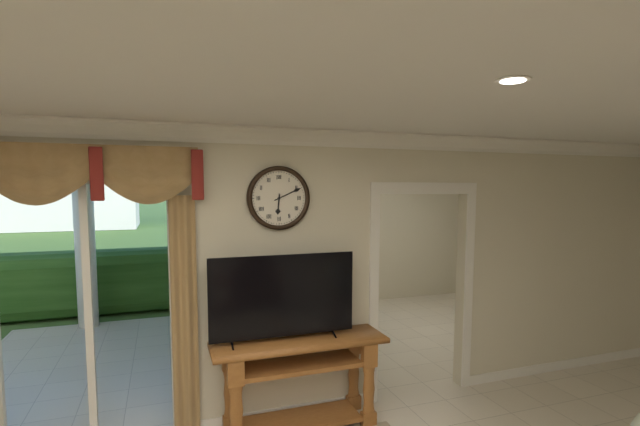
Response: 6:11
